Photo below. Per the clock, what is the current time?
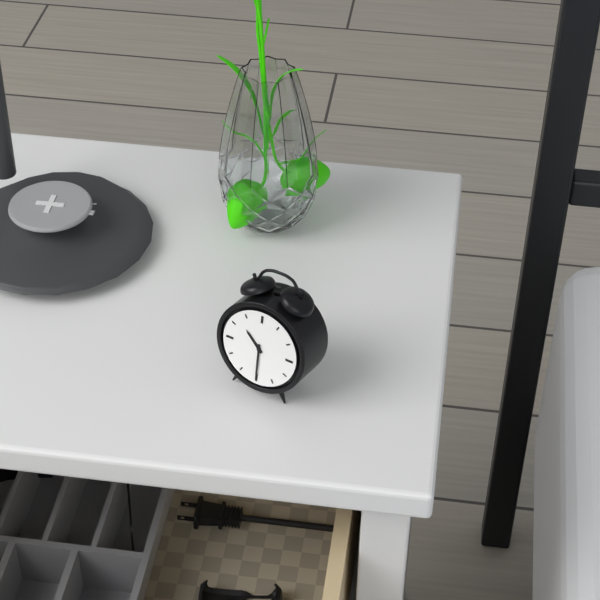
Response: 10:30
